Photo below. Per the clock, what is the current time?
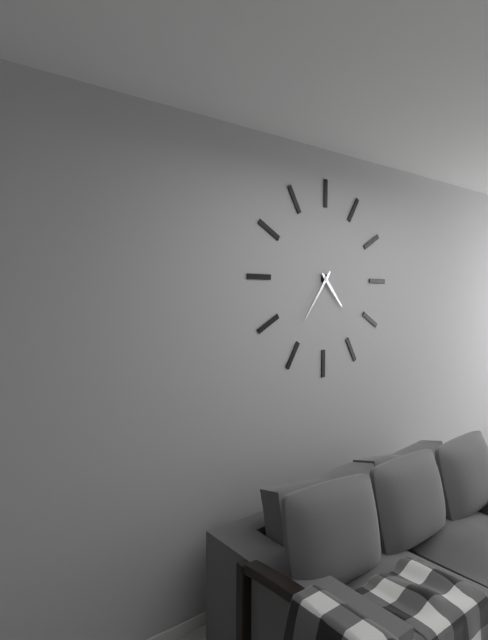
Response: 4:36
